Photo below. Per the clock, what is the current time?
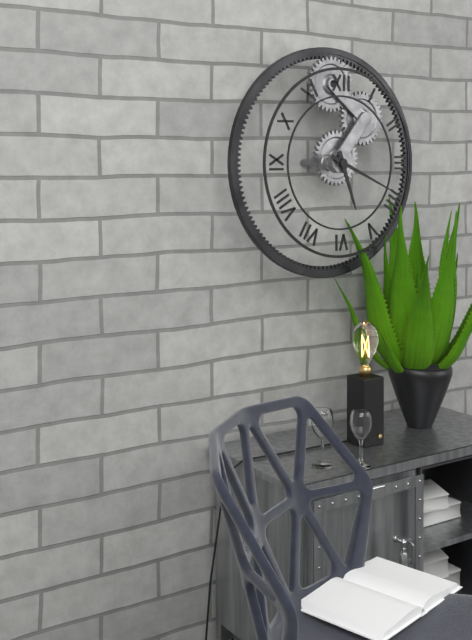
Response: 5:19
